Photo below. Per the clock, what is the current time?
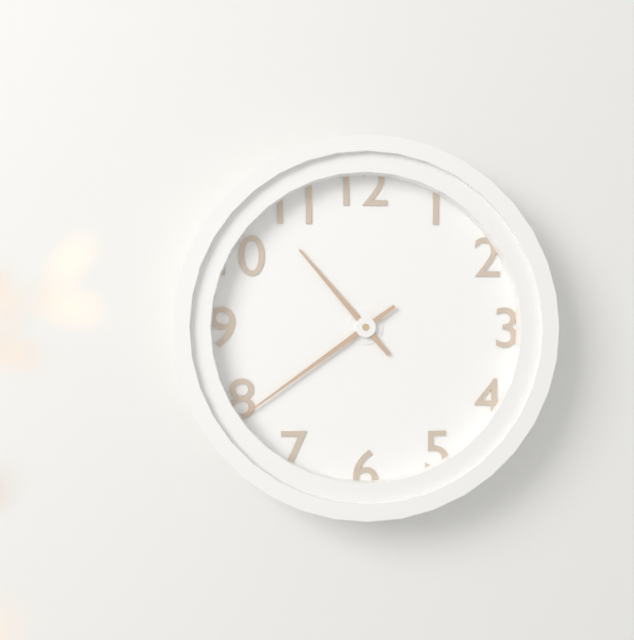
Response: 10:39
